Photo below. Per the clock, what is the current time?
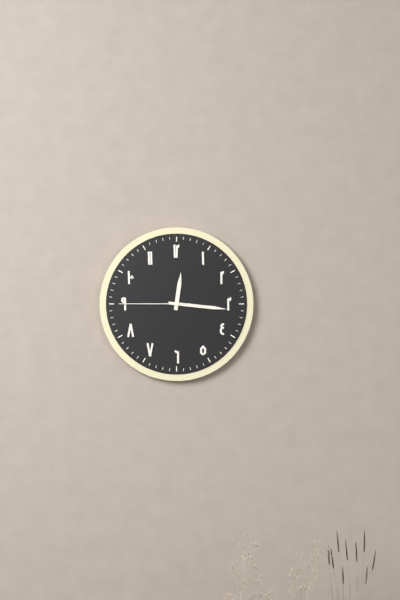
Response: 12:16:45
